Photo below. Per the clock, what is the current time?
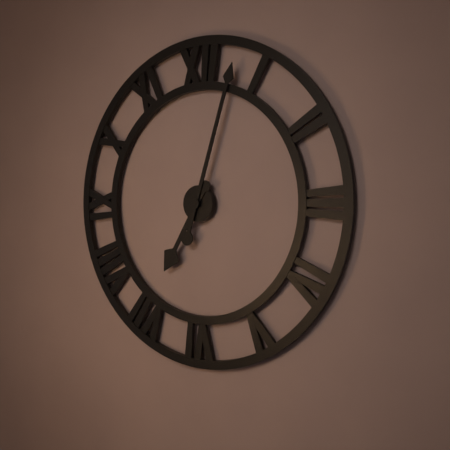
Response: 7:03
